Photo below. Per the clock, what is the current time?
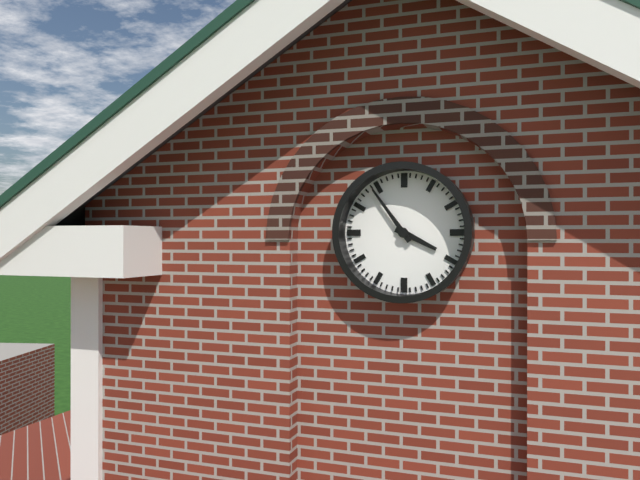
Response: 3:54
